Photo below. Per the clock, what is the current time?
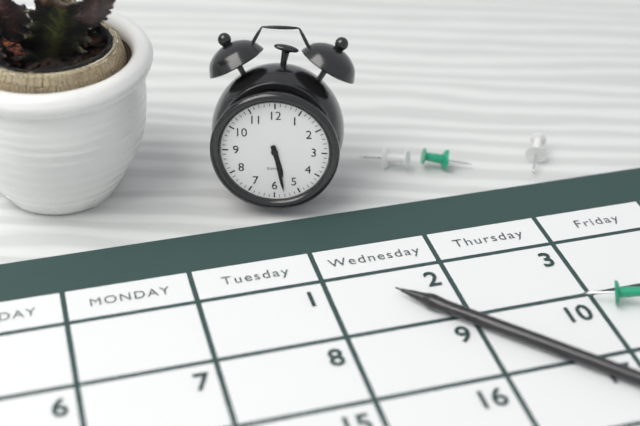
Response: 5:28
